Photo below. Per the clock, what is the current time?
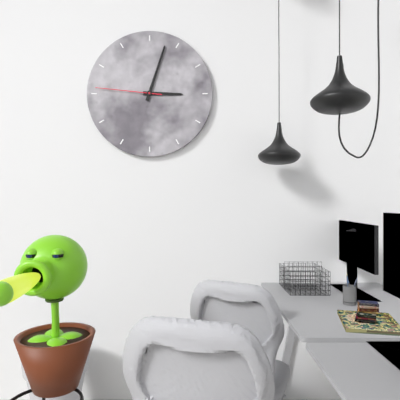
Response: 3:03:46
